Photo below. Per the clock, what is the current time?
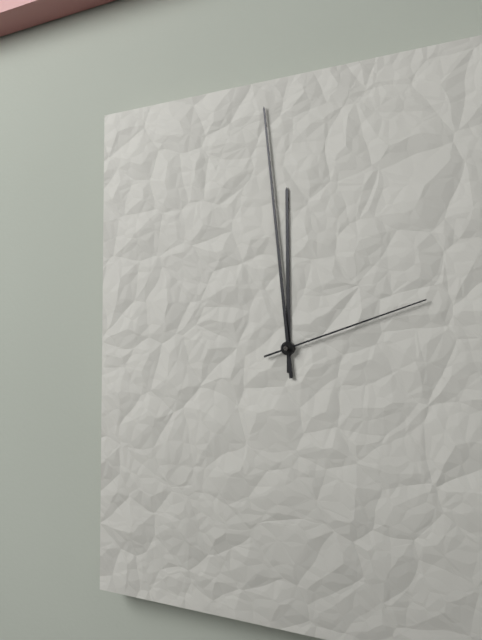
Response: 11:59:12
